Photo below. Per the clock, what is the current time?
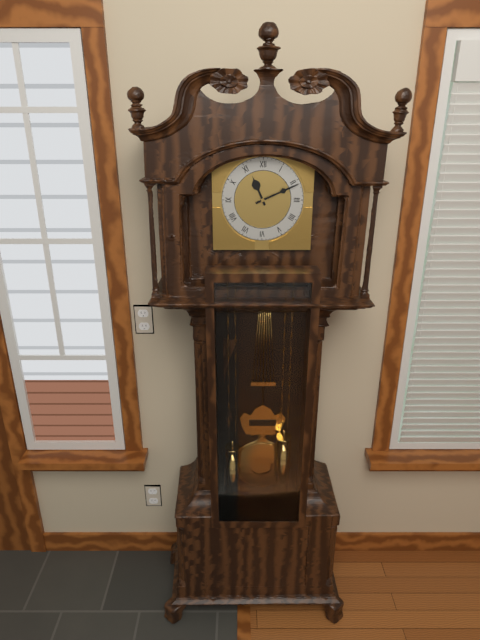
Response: 11:11
